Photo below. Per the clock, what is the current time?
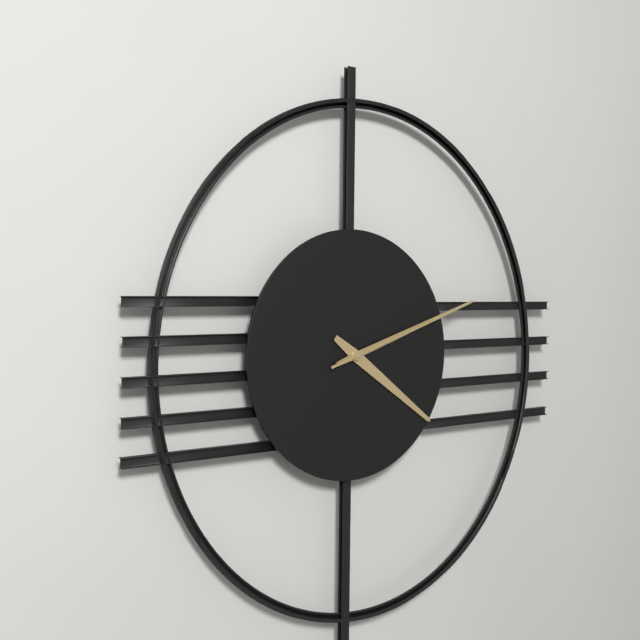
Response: 4:12:12
